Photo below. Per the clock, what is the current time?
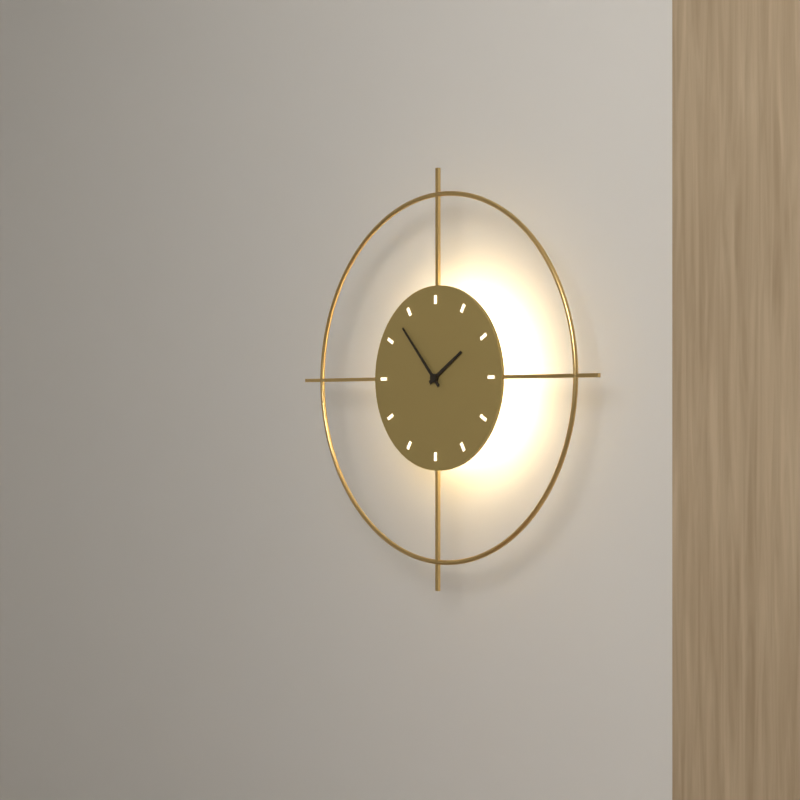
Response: 1:53
